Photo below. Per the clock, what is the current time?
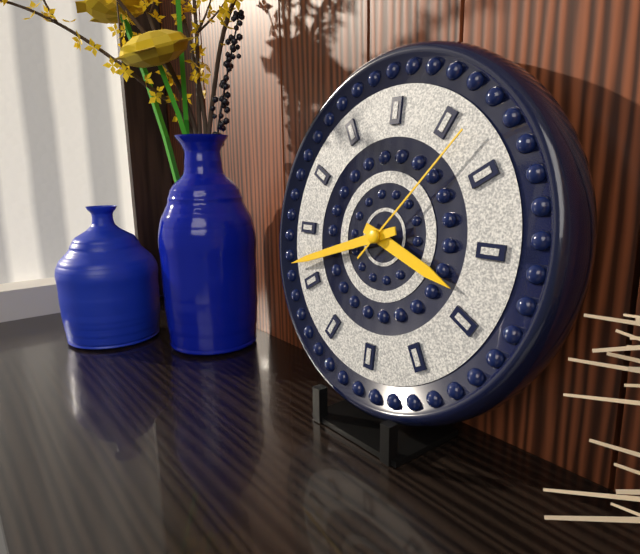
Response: 3:42:07
